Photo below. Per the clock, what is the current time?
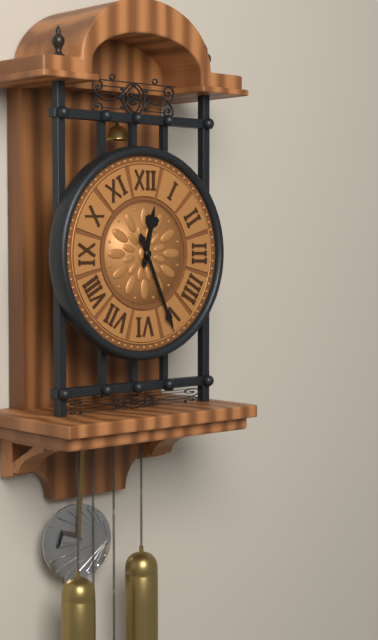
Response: 12:26
